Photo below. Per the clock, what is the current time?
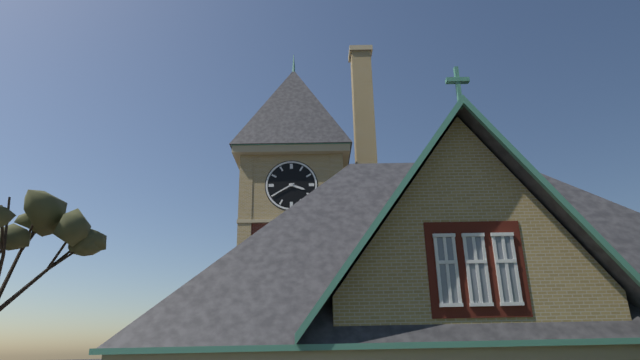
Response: 3:40
